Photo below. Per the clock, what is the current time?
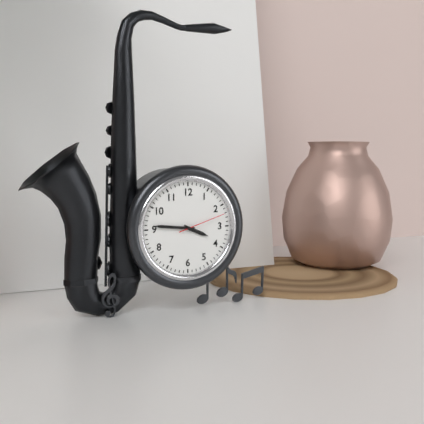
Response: 3:46
